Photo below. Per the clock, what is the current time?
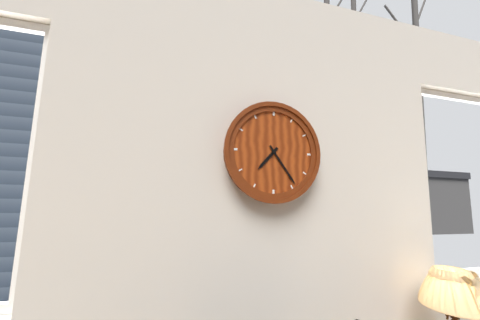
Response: 7:24
